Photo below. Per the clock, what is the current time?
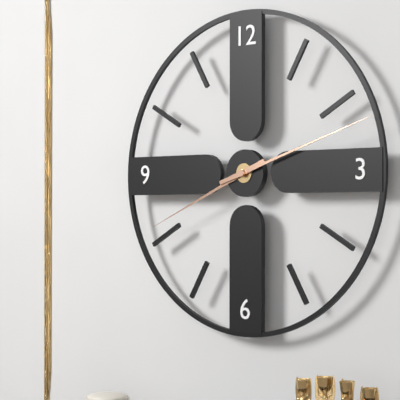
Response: 8:12
